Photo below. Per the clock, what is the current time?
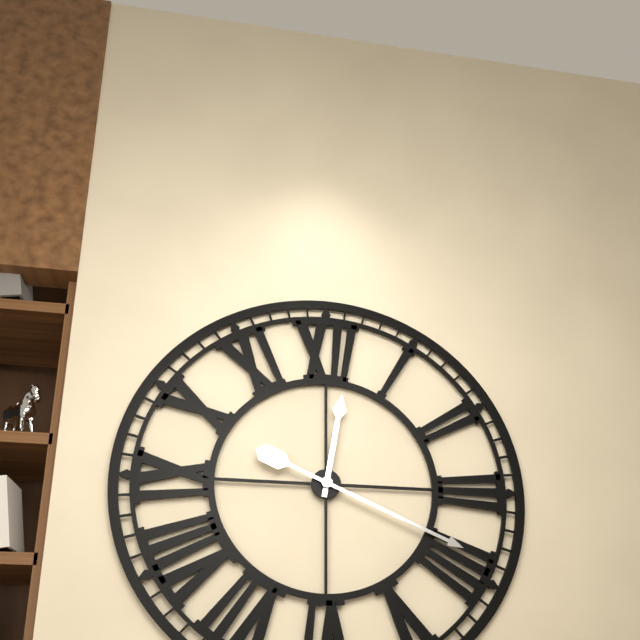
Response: 12:19
